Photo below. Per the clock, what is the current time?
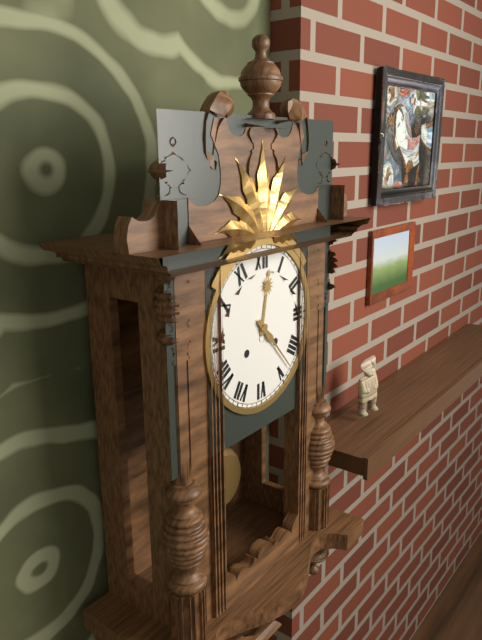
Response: 12:23
